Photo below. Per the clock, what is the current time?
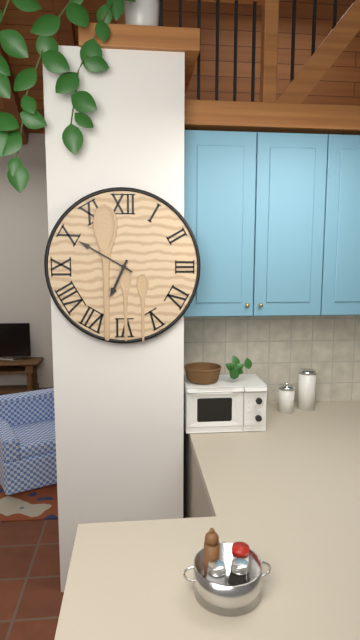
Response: 6:50
